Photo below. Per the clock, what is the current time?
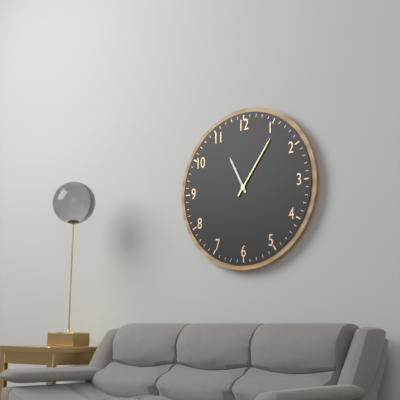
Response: 11:06
